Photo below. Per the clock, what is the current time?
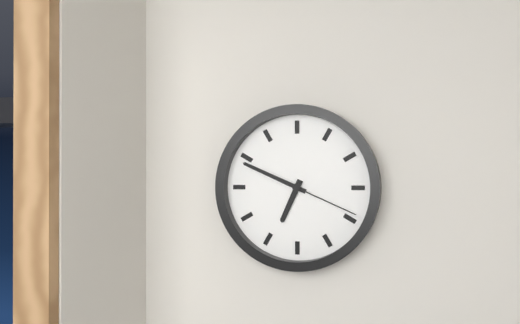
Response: 6:49:19
